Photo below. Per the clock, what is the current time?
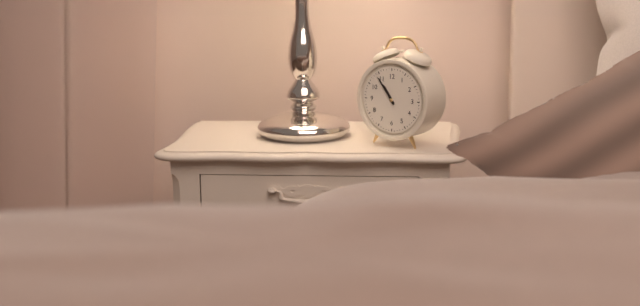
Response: 10:54
